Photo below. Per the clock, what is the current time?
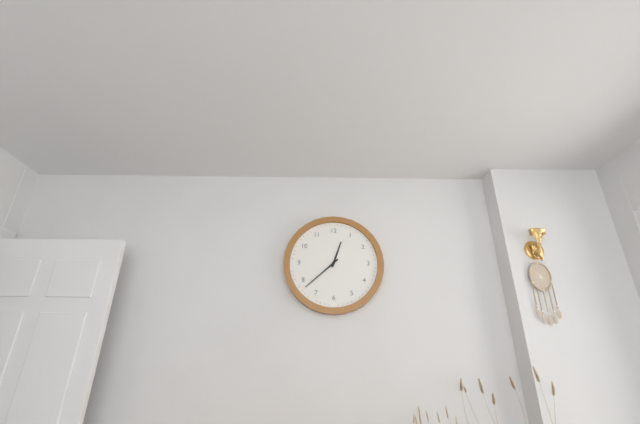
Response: 12:38
